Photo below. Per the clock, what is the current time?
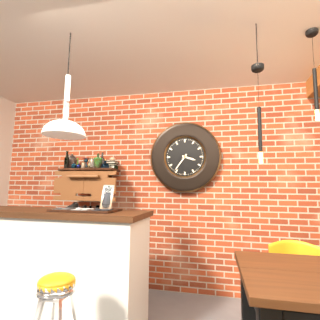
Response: 3:36
